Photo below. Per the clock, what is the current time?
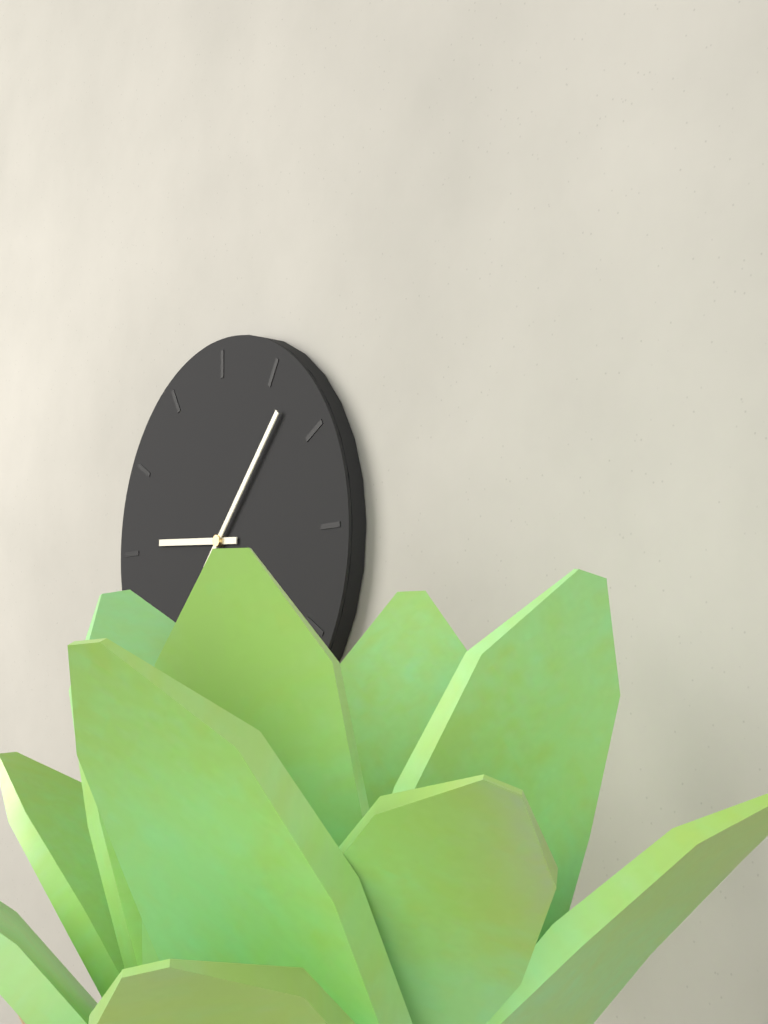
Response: 9:07
